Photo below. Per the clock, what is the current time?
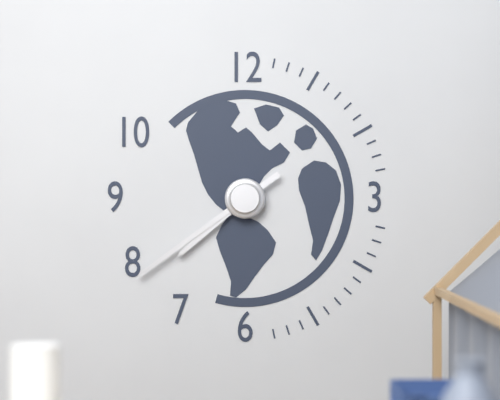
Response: 7:39
